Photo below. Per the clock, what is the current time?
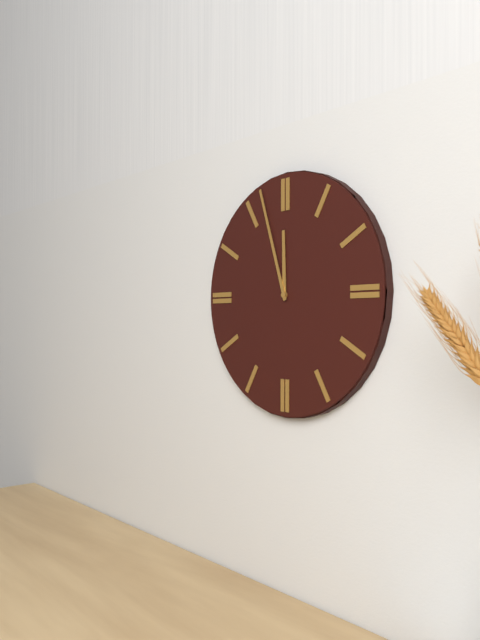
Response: 11:57
